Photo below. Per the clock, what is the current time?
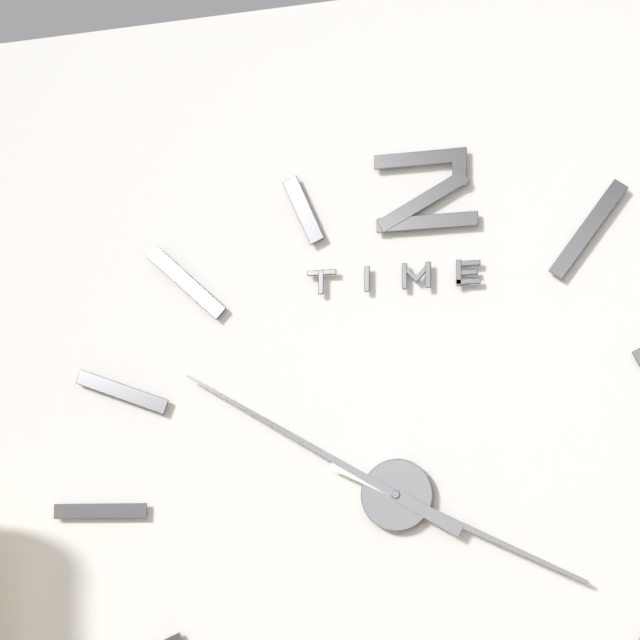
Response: 3:50
